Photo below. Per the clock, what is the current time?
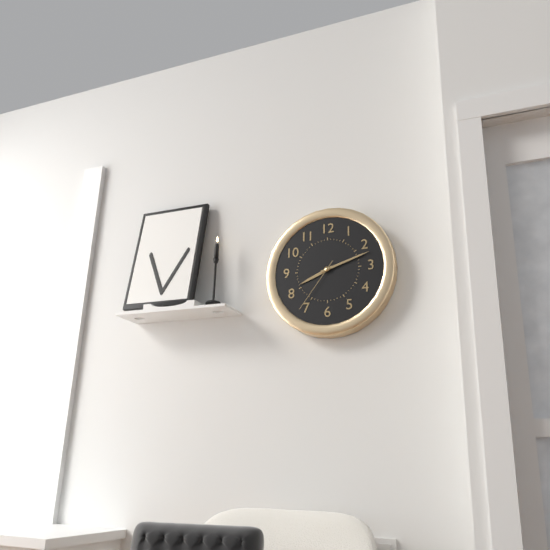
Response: 8:12:36
